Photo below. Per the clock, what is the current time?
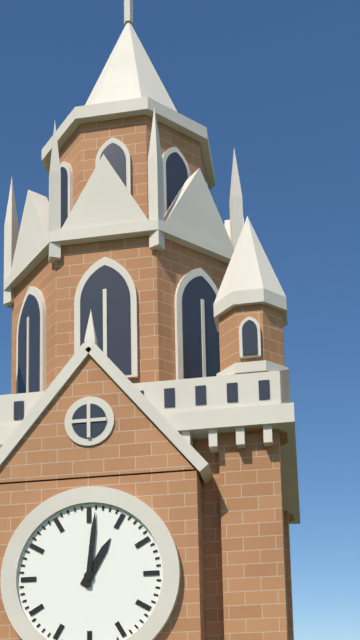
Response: 1:01
